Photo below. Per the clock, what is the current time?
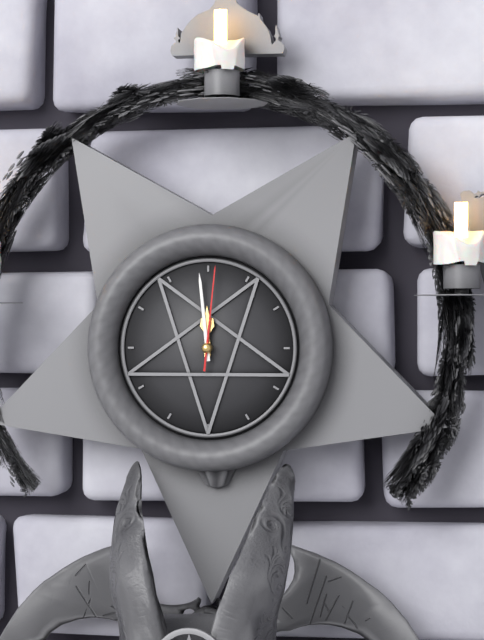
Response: 11:59:01
